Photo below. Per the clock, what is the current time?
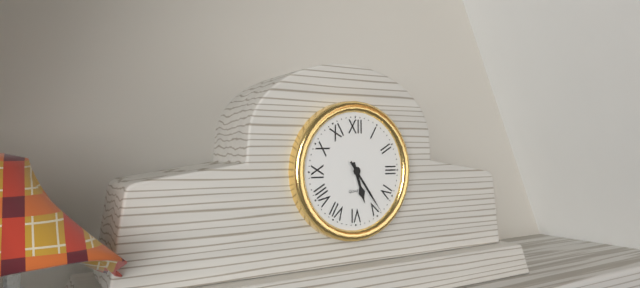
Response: 5:24
